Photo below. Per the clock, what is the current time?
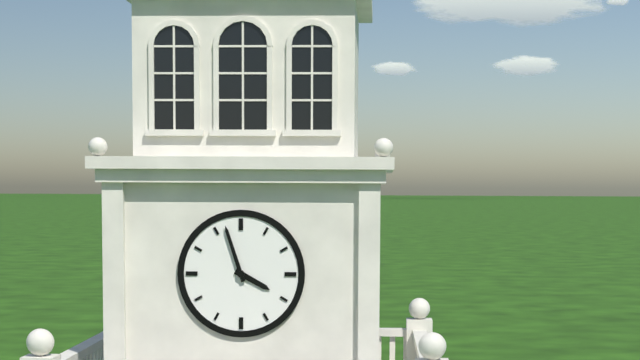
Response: 3:57
